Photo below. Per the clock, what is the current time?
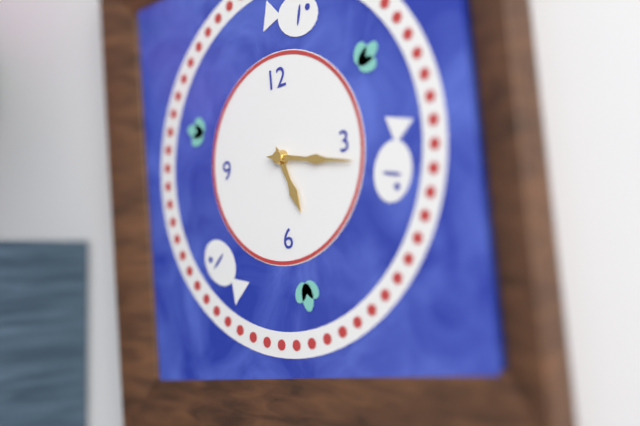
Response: 5:17
